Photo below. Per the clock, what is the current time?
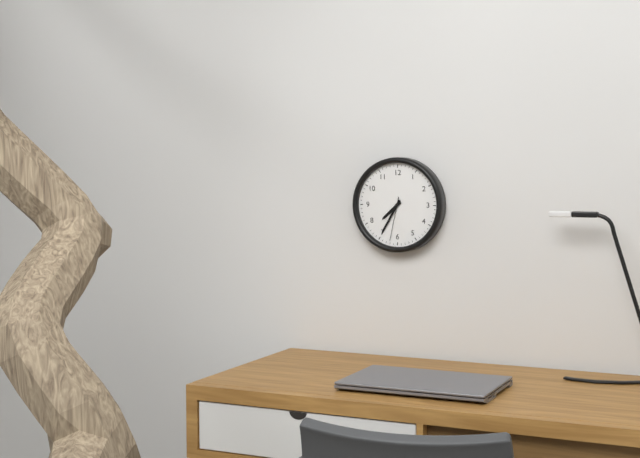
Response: 7:35
